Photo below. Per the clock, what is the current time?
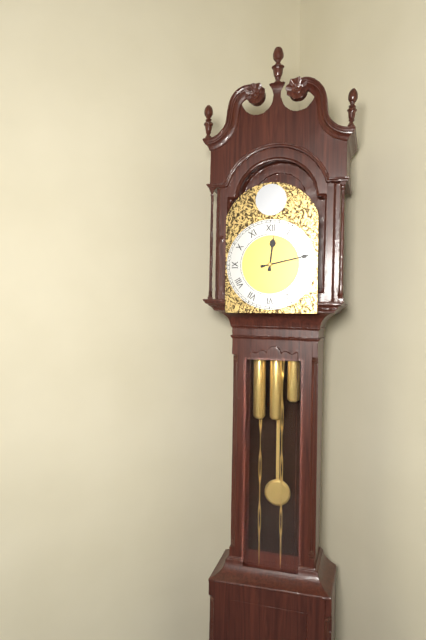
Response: 12:13
